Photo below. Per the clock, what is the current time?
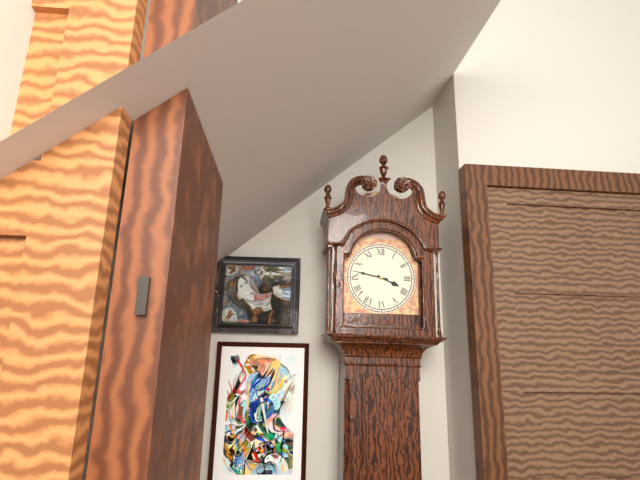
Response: 3:47
